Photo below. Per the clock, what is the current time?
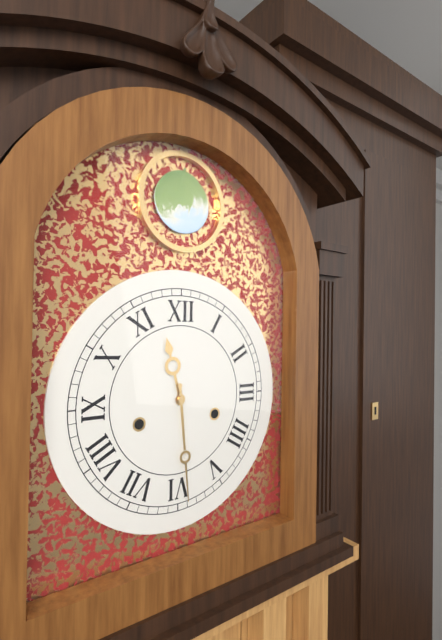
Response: 11:29
